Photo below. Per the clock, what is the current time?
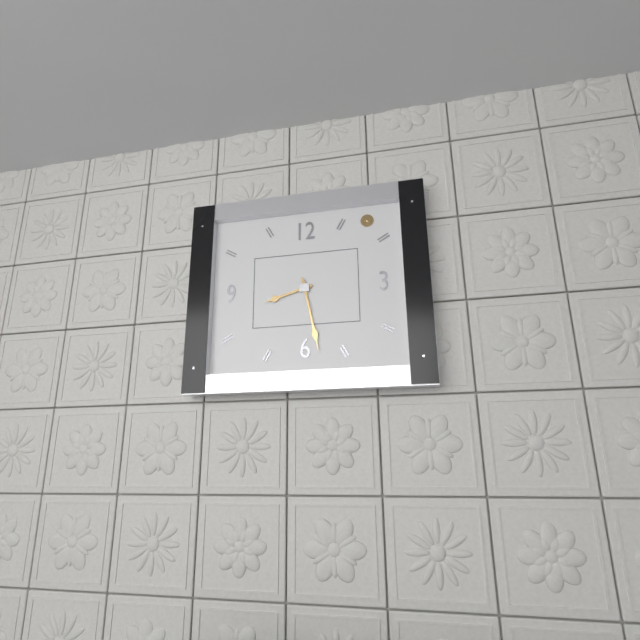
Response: 8:28
